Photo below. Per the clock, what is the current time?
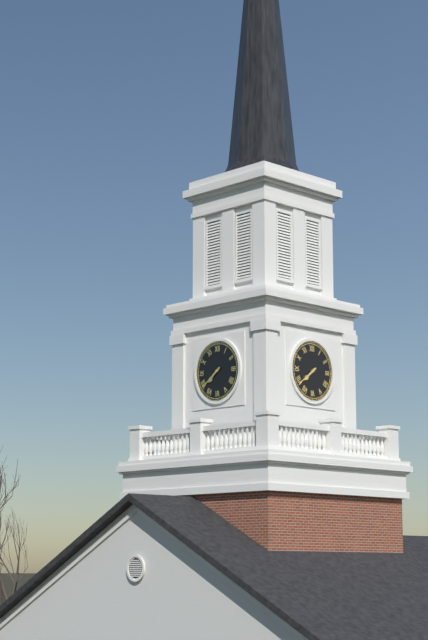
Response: 7:39
